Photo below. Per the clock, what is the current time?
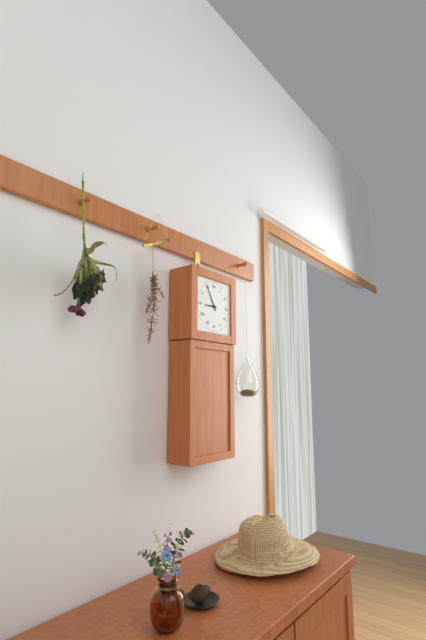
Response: 8:55
